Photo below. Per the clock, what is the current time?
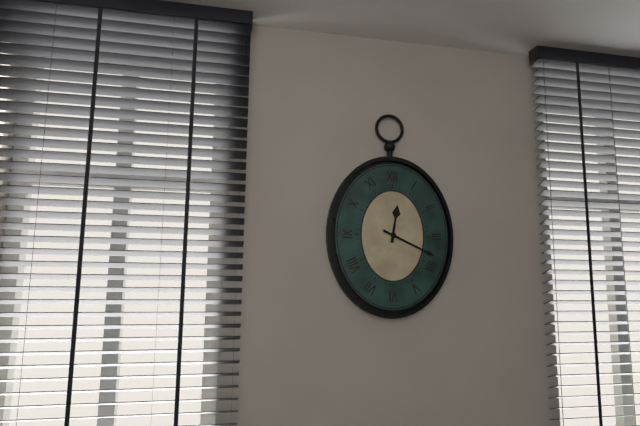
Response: 12:19
